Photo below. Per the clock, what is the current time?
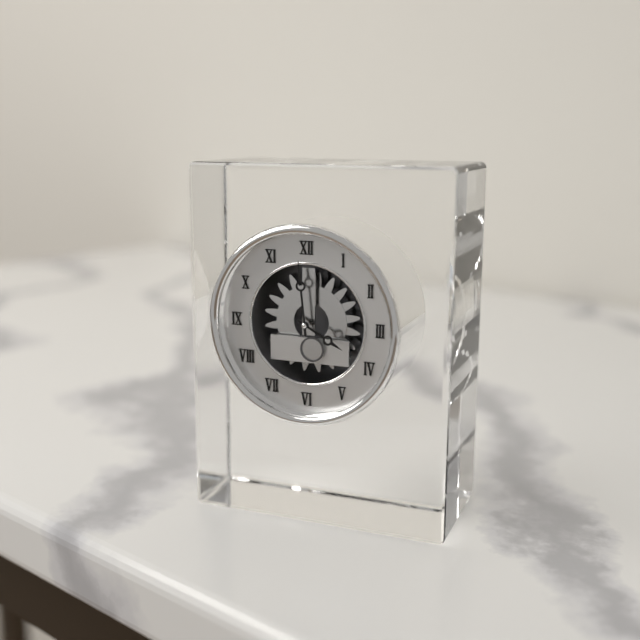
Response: 3:59
